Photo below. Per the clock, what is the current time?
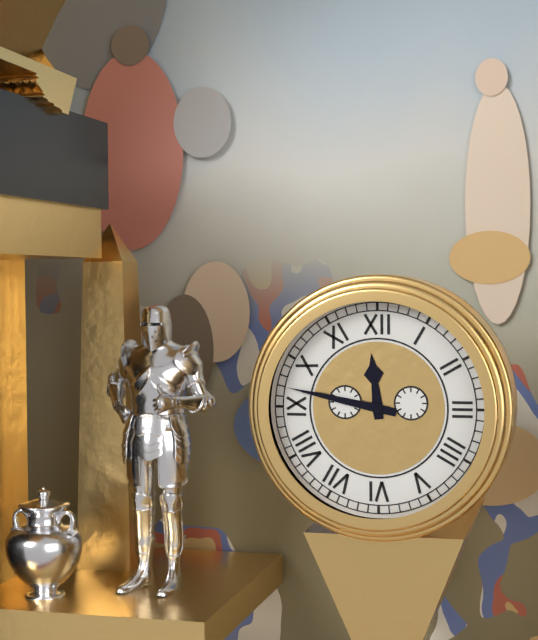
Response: 11:47
